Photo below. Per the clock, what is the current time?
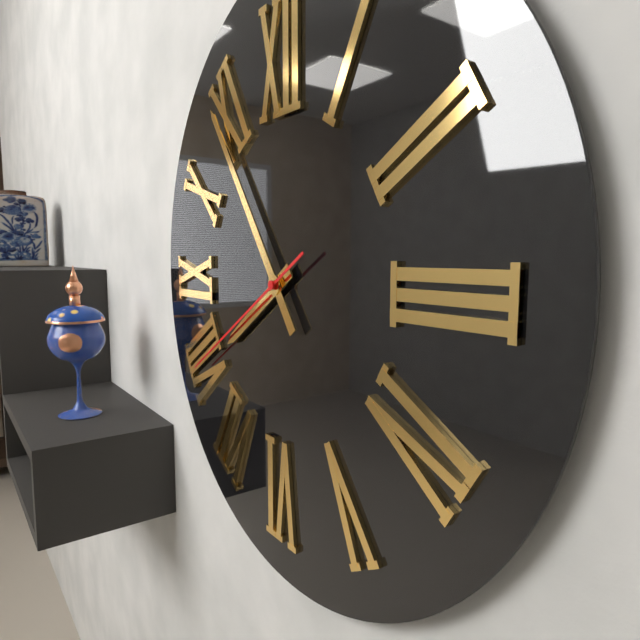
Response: 7:54:40
